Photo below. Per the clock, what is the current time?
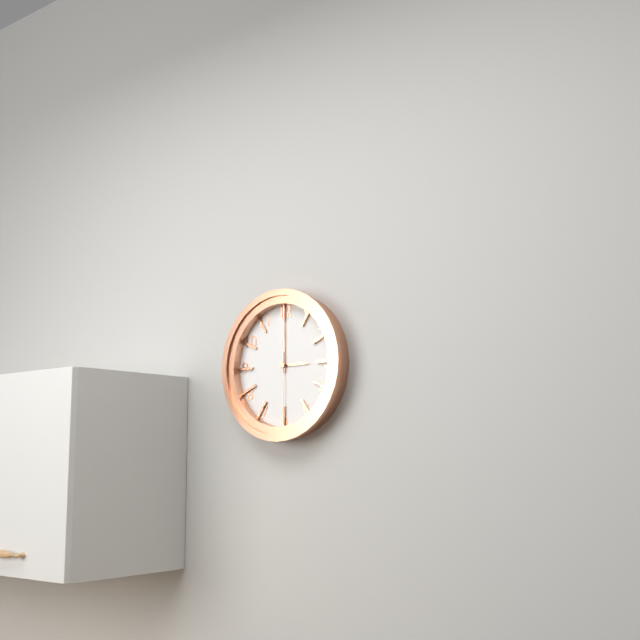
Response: 3:00:30
